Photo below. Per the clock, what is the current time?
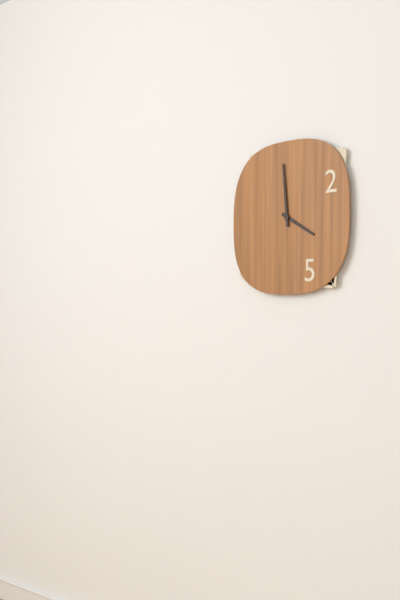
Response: 3:59
